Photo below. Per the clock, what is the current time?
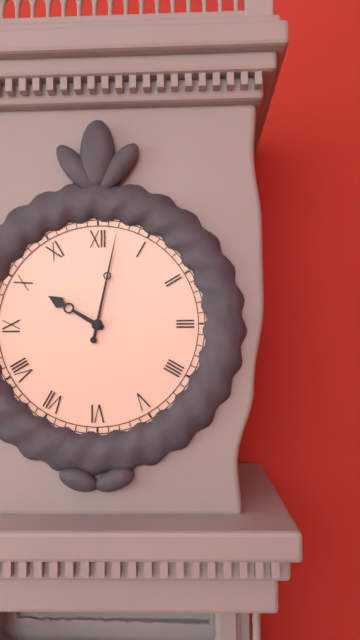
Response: 10:02
